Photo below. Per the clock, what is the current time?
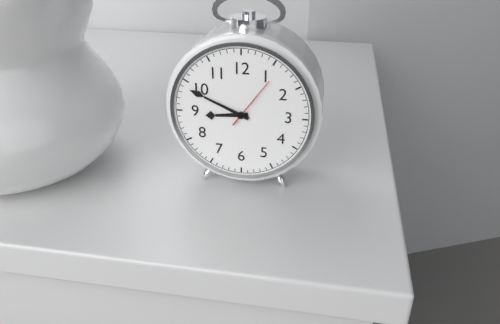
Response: 8:49:06
